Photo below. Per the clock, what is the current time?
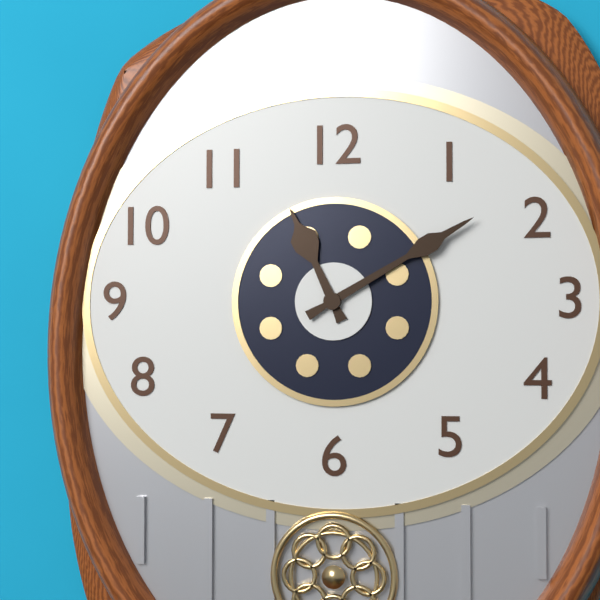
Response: 11:10
